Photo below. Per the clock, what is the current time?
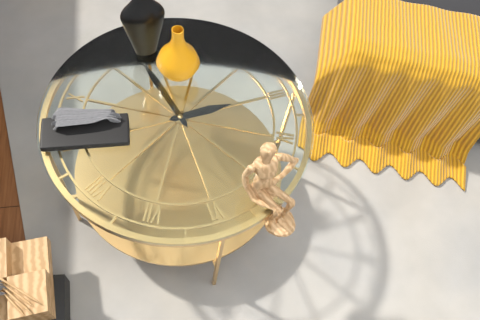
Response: 2:58
